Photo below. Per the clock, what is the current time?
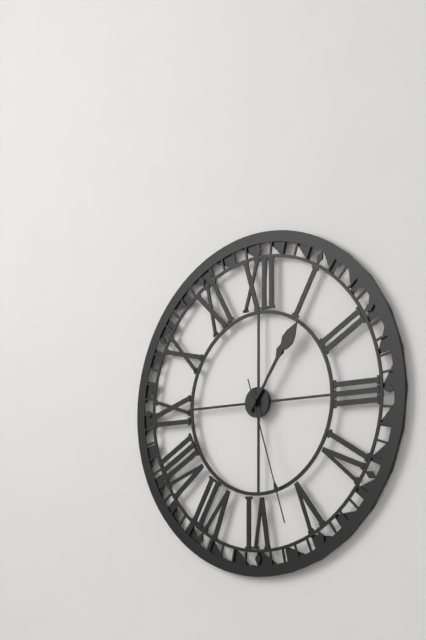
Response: 1:06:27
